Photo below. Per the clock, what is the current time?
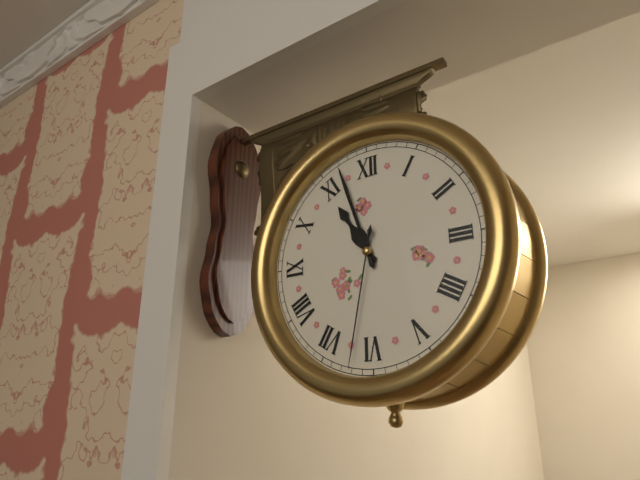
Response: 10:57:32
